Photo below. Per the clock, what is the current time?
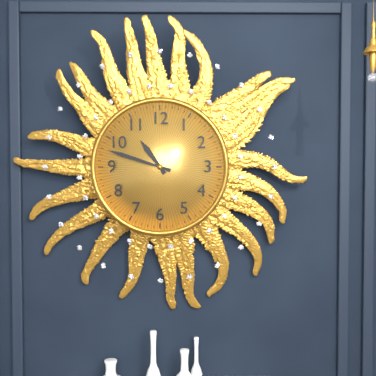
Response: 10:48
